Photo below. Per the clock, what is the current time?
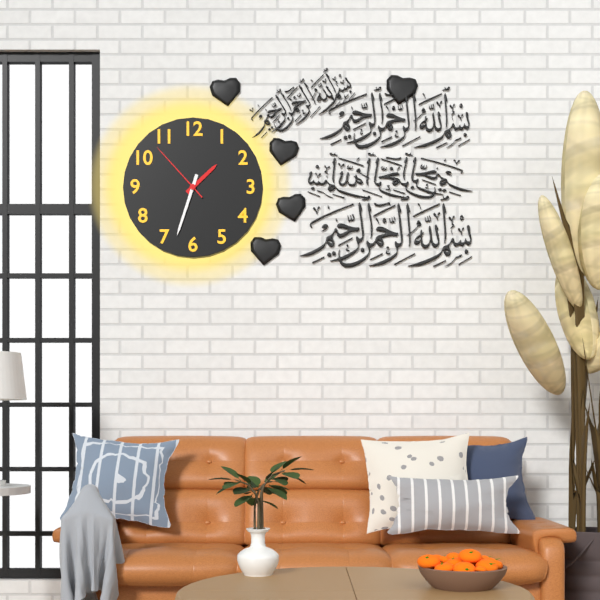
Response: 1:33:53
